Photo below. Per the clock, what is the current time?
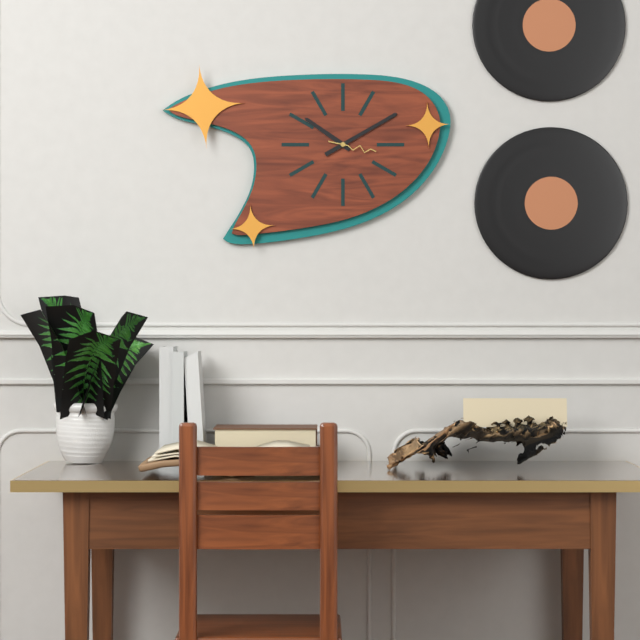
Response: 10:10
